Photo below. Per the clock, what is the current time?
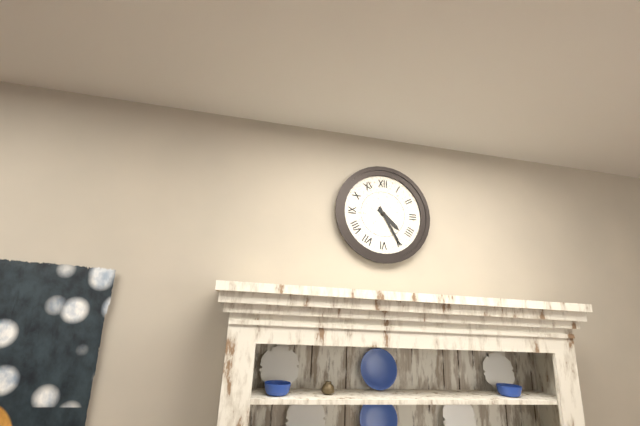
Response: 4:25
